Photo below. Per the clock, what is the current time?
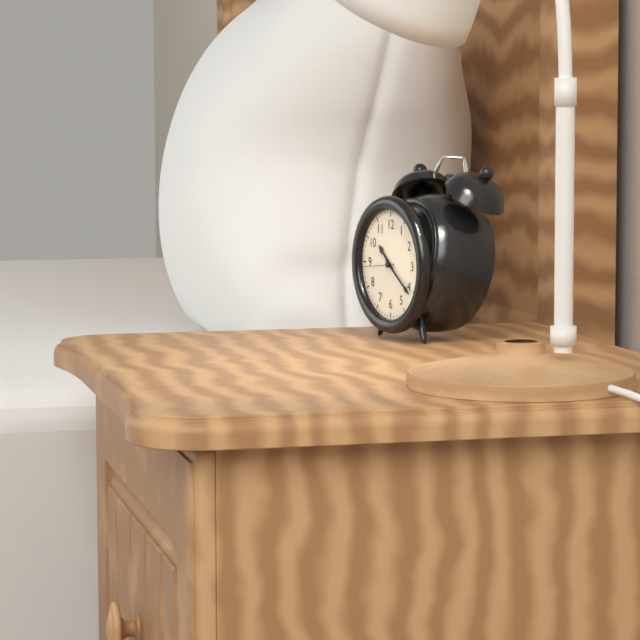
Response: 10:21
